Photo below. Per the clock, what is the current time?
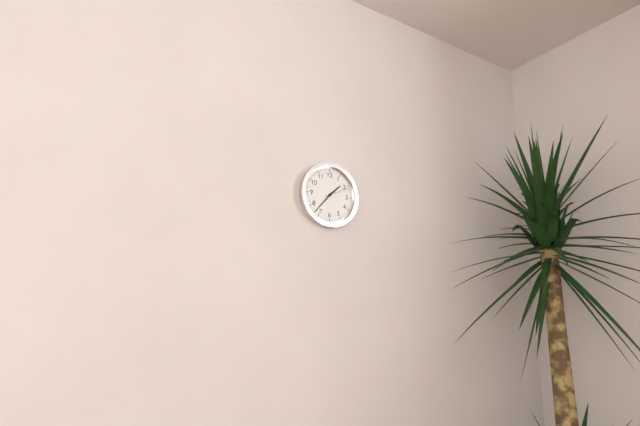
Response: 1:37
